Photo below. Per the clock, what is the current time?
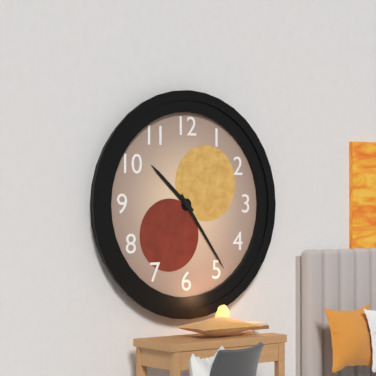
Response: 10:24
